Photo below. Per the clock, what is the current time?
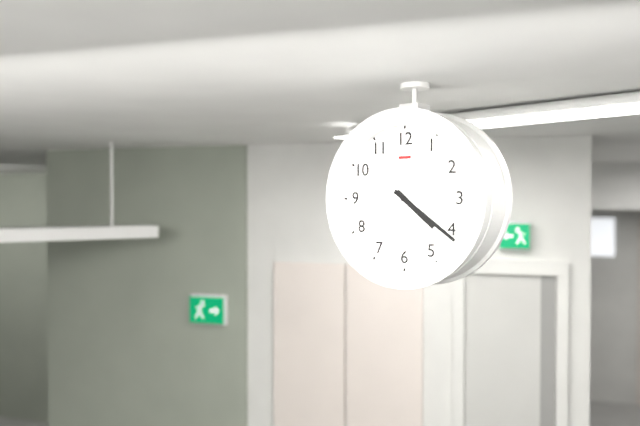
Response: 4:21
